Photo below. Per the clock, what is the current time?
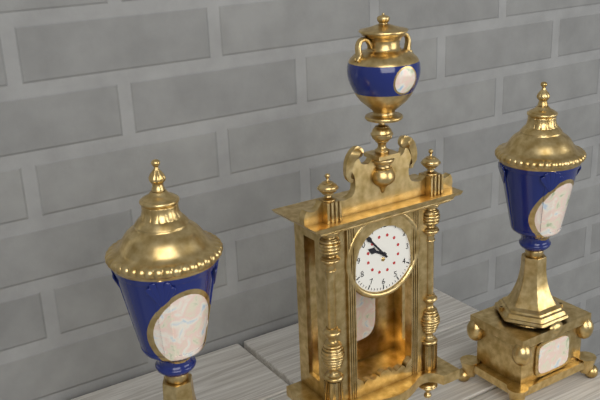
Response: 9:53
